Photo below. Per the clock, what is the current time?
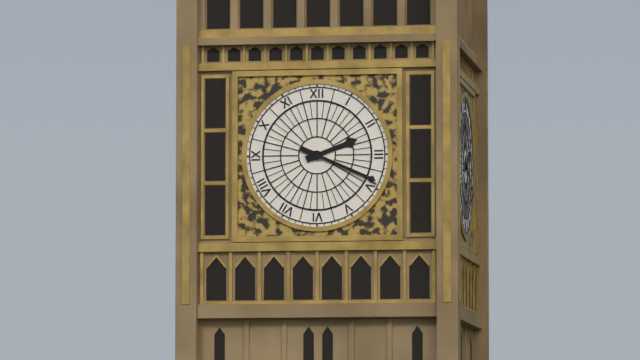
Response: 2:19
